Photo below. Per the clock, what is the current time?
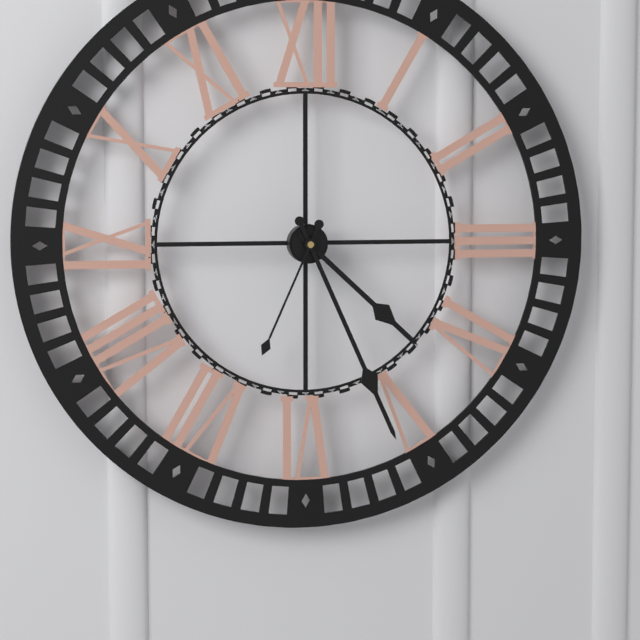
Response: 4:26:34
